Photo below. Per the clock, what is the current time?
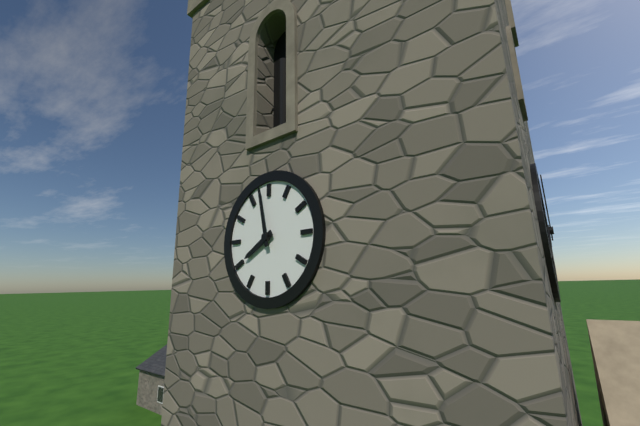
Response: 7:58
